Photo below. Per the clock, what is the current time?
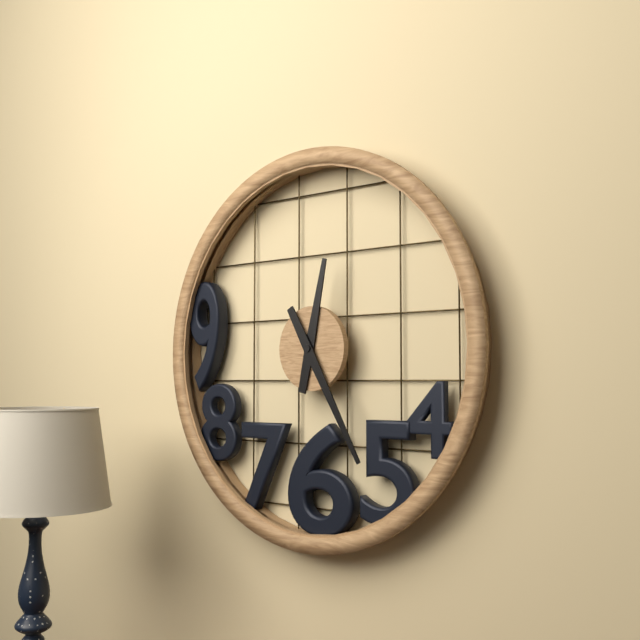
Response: 12:25
